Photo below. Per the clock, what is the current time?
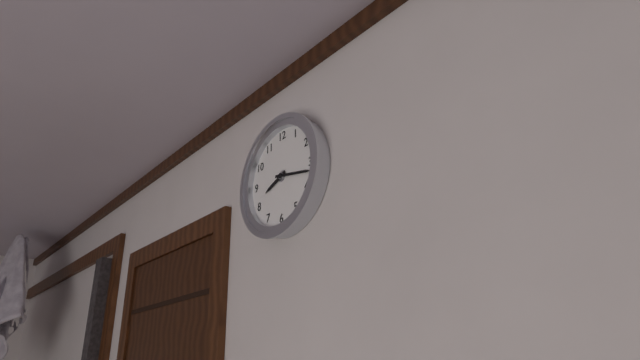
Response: 8:17
